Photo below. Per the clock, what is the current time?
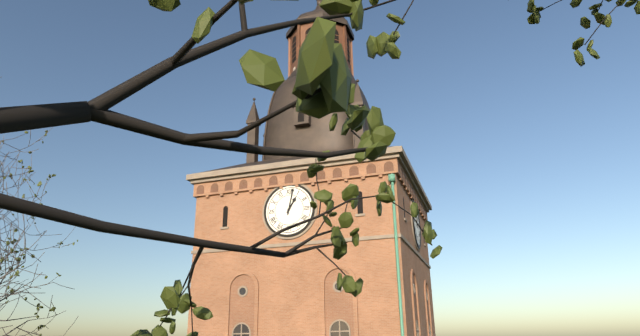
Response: 1:02
